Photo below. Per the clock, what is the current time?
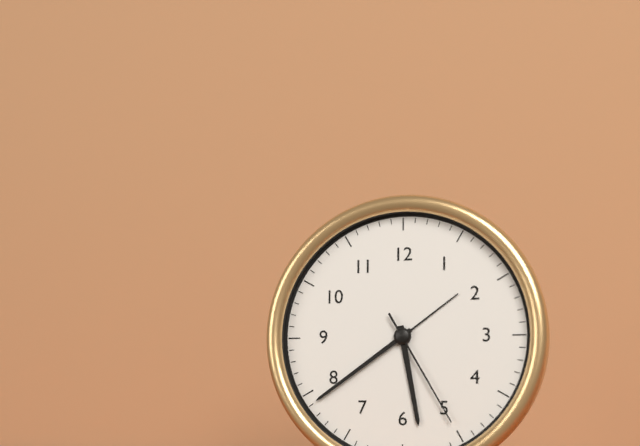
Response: 5:39:25
